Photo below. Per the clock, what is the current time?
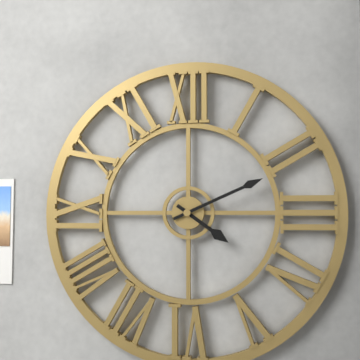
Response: 4:11
